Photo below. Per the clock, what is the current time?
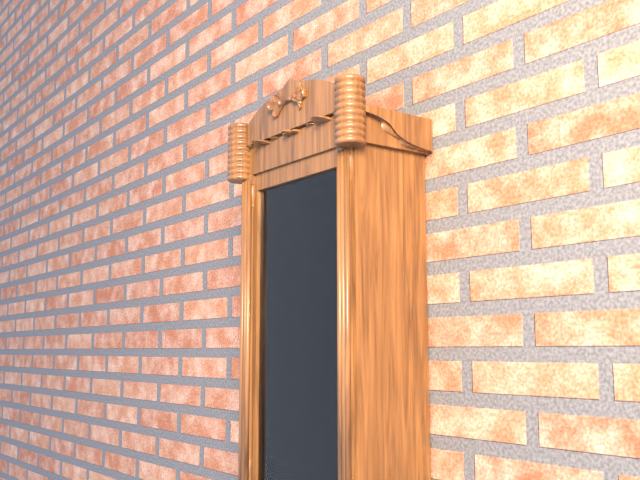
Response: 8:01
